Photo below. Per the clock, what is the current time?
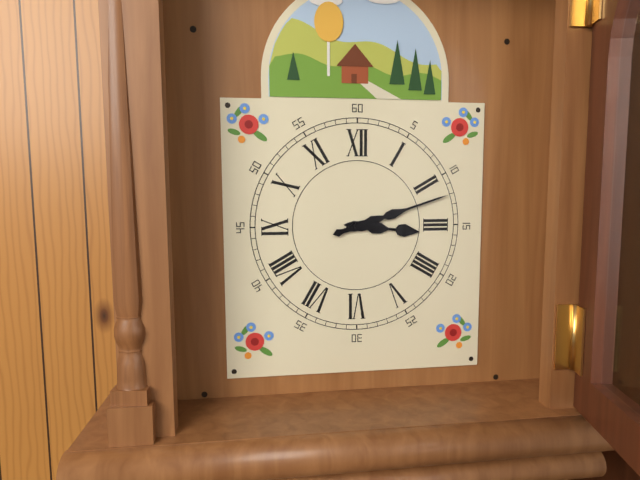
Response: 3:12
